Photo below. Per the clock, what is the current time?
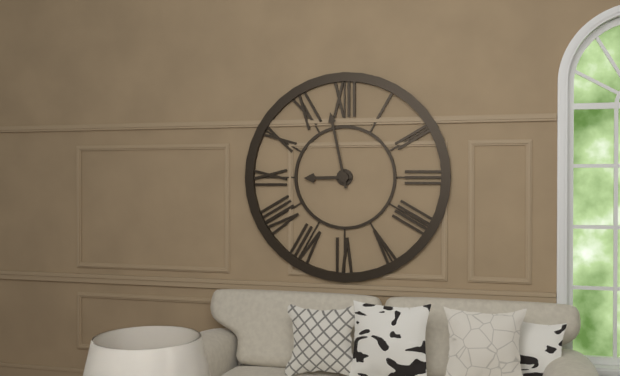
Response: 8:58
